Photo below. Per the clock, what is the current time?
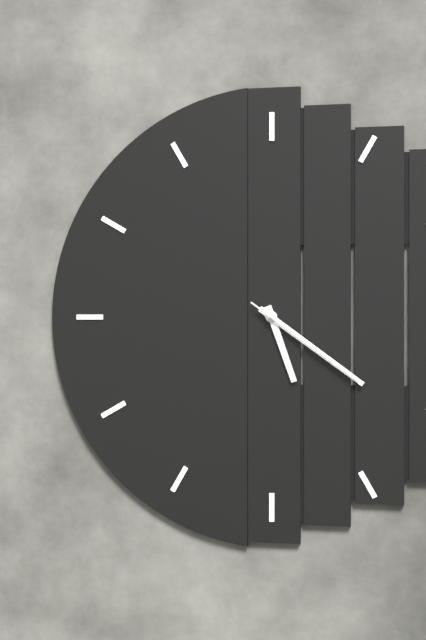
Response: 5:21:21
